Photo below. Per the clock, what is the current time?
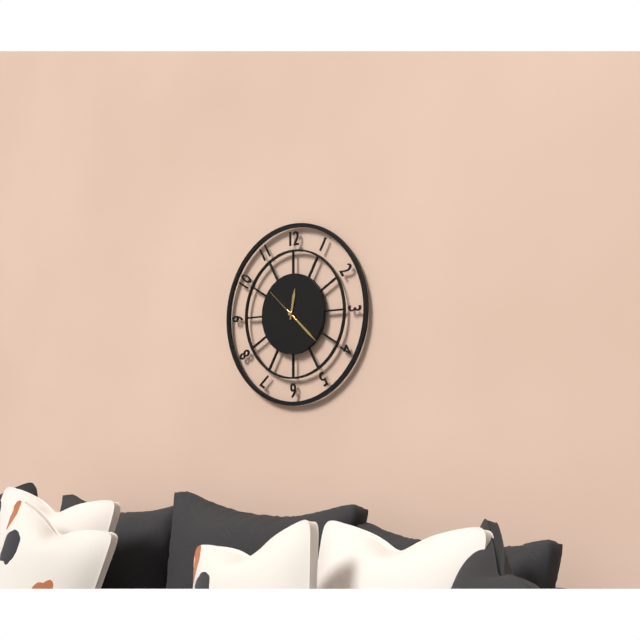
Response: 12:22
